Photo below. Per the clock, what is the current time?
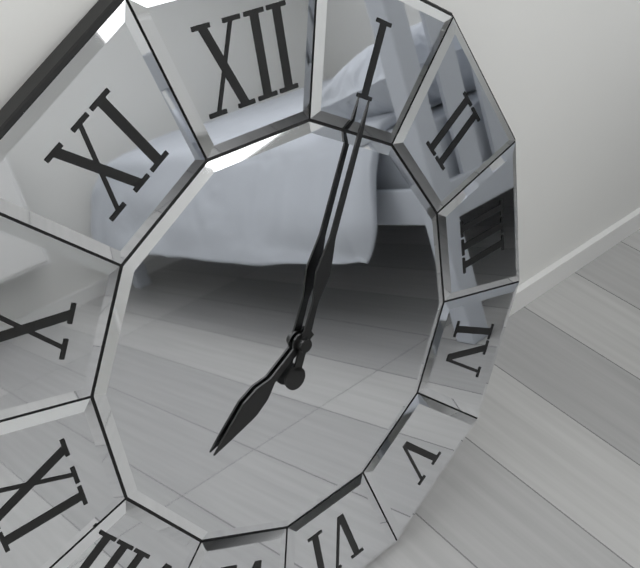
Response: 8:05
